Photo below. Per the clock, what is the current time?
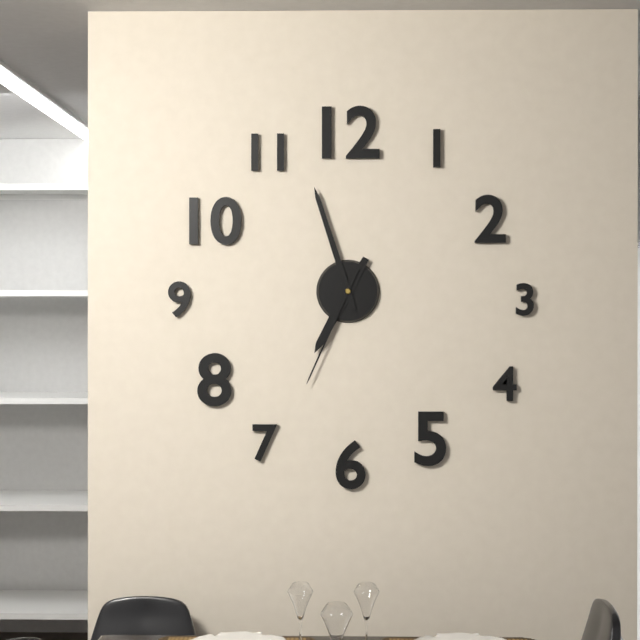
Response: 6:57:34
